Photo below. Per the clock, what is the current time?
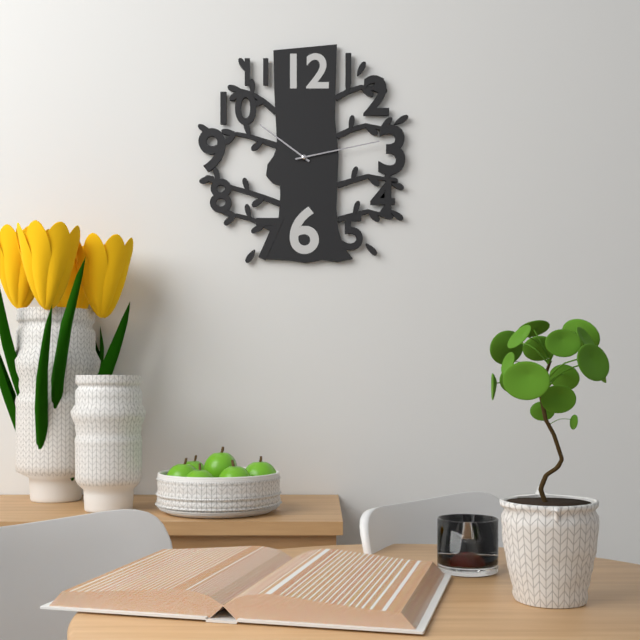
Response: 10:13
